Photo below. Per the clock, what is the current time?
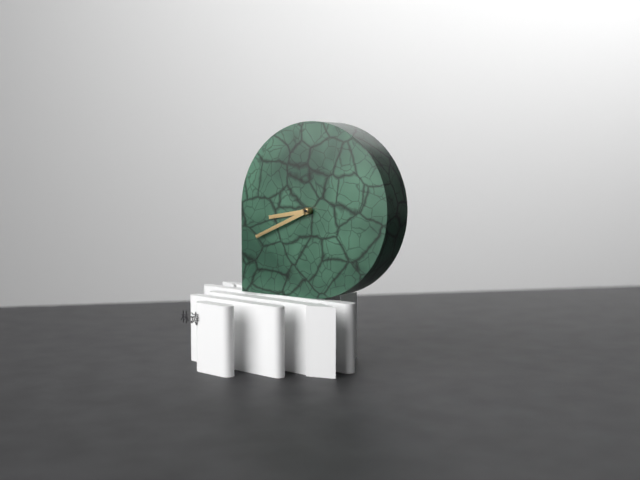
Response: 8:41
